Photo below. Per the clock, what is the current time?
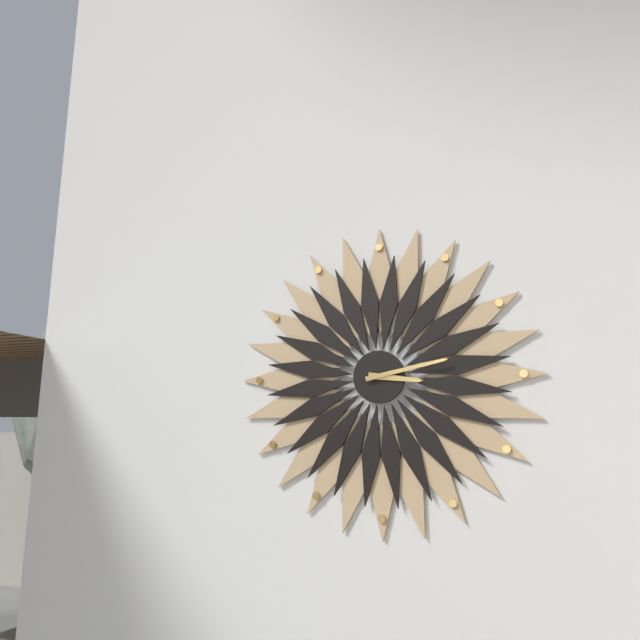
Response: 3:13
